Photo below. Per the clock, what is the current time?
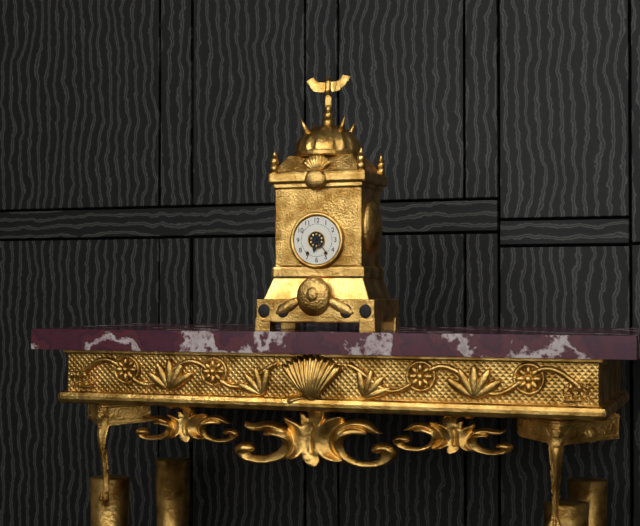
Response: 6:23
